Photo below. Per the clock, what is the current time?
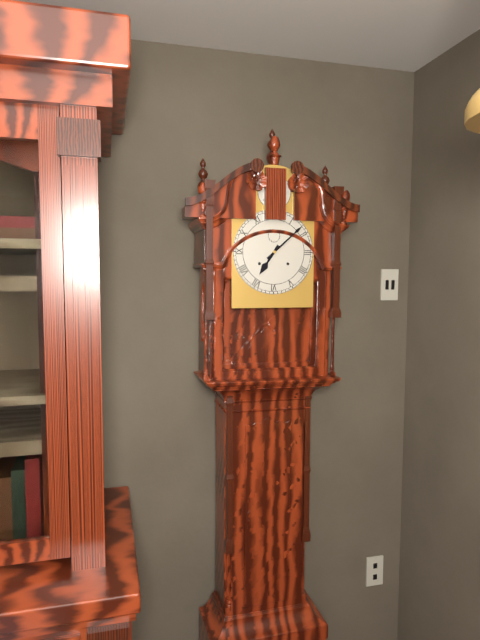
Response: 7:08
